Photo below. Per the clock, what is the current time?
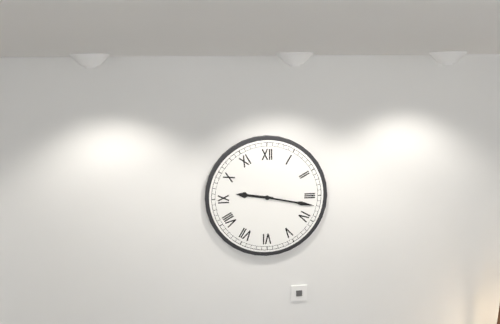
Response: 9:17
